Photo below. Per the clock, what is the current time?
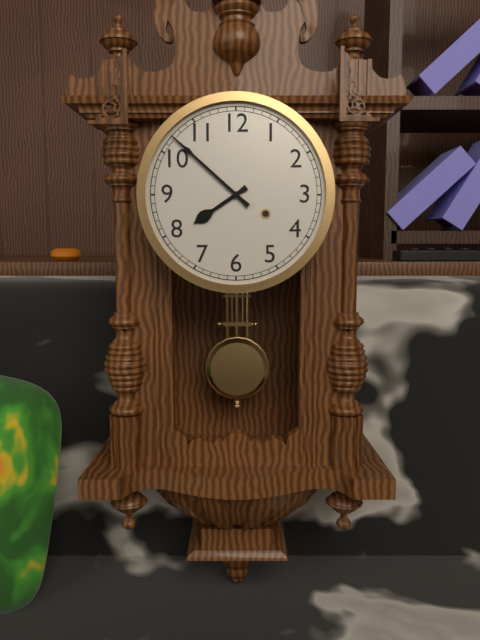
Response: 7:52
